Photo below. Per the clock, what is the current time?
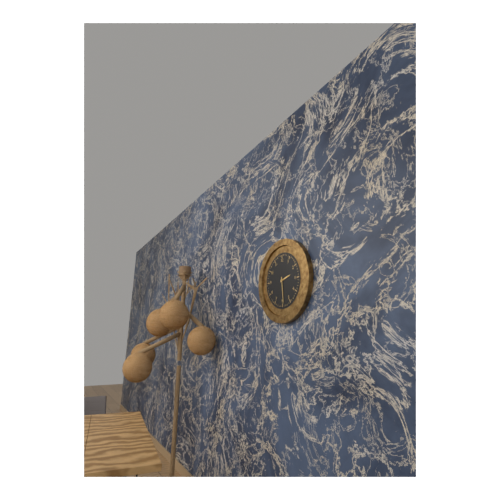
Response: 2:29
